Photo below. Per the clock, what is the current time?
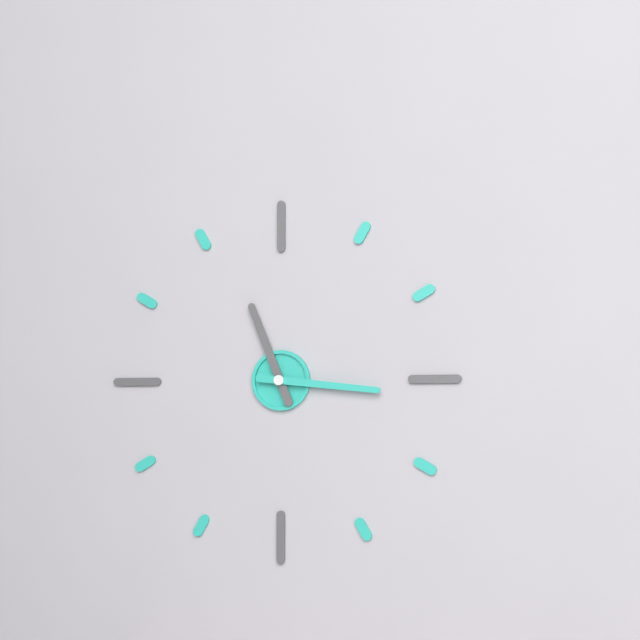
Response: 11:16
